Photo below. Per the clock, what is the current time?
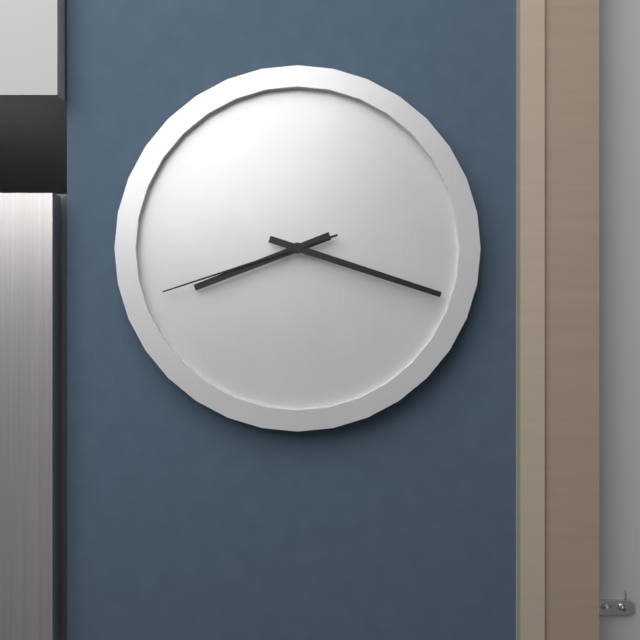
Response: 8:18:42
